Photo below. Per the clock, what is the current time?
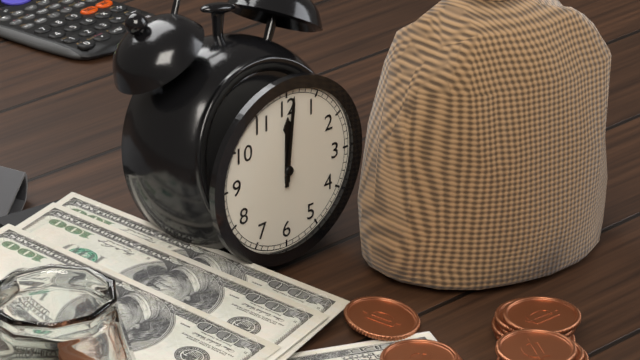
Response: 12:01
